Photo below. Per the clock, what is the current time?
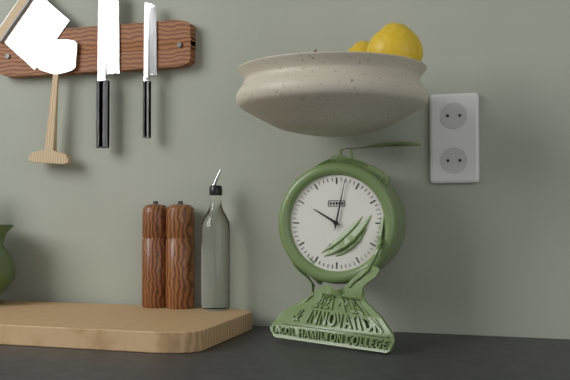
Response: 10:02
